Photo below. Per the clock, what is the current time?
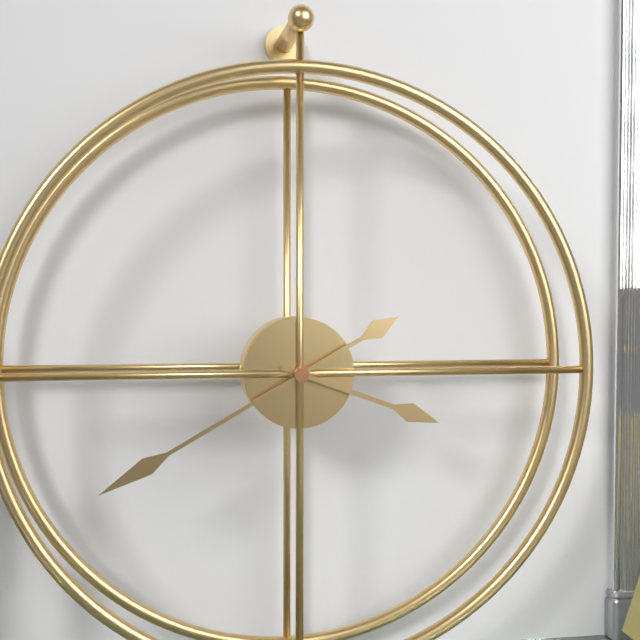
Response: 3:40
